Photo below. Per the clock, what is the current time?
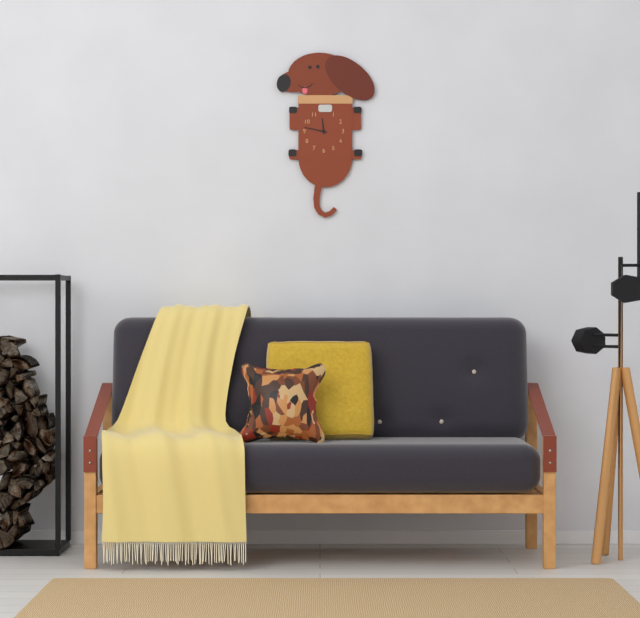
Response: 11:47
